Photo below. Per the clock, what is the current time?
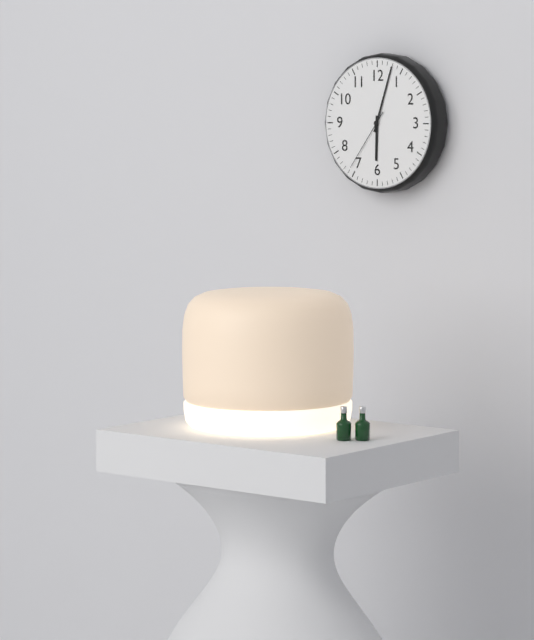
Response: 6:03:36
